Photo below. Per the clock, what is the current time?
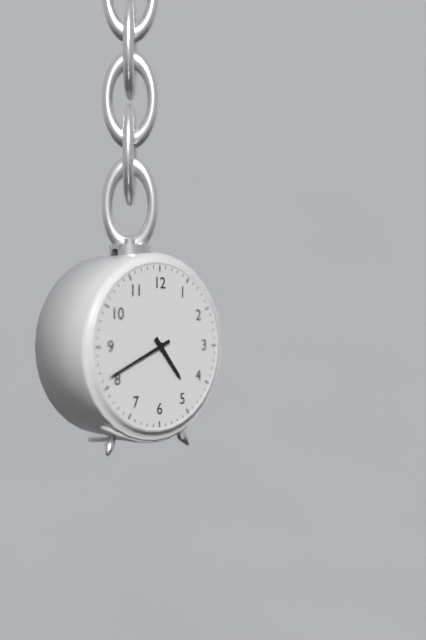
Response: 4:41
